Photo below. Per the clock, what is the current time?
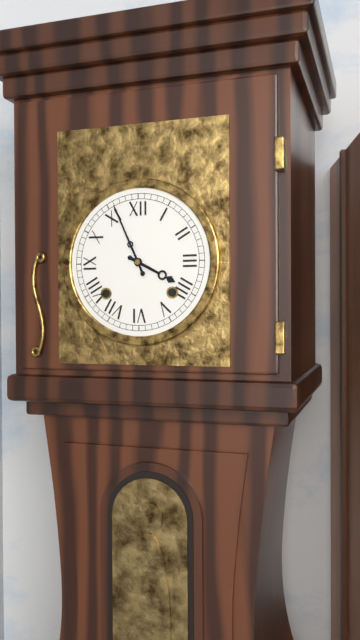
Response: 3:56
